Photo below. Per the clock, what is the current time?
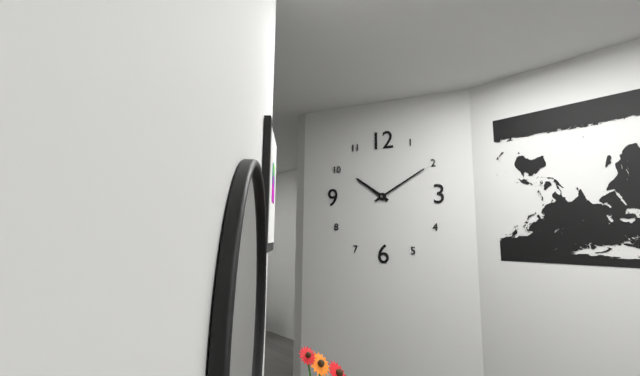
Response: 10:10
